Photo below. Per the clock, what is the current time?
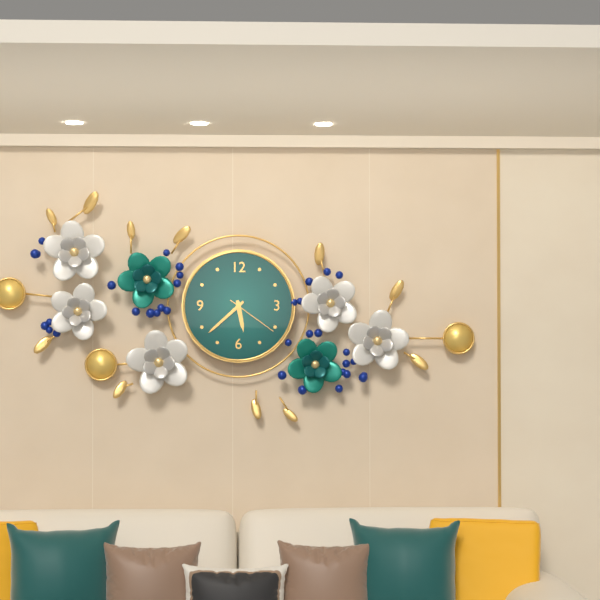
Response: 5:38:21
